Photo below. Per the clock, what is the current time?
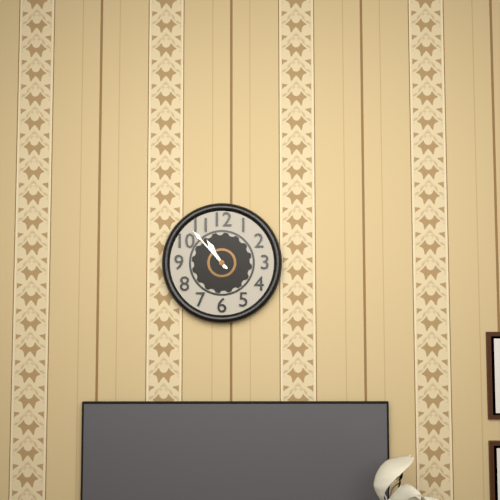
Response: 10:53
